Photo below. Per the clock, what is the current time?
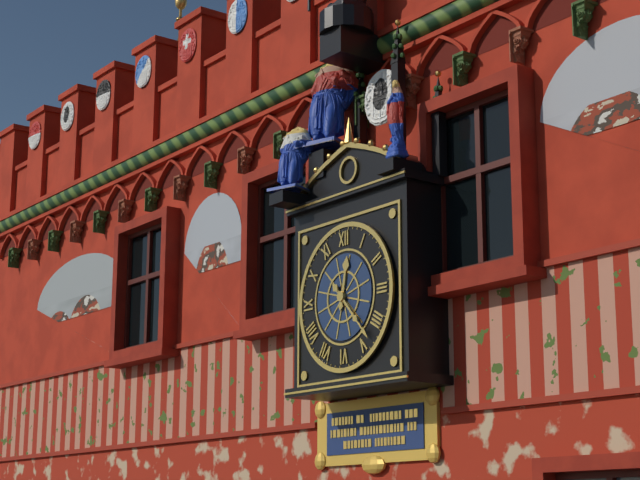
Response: 12:23
